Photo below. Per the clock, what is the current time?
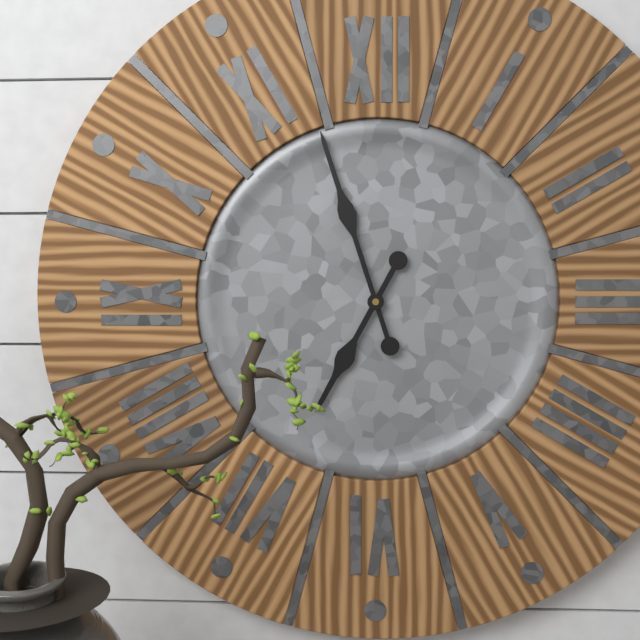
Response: 6:57
